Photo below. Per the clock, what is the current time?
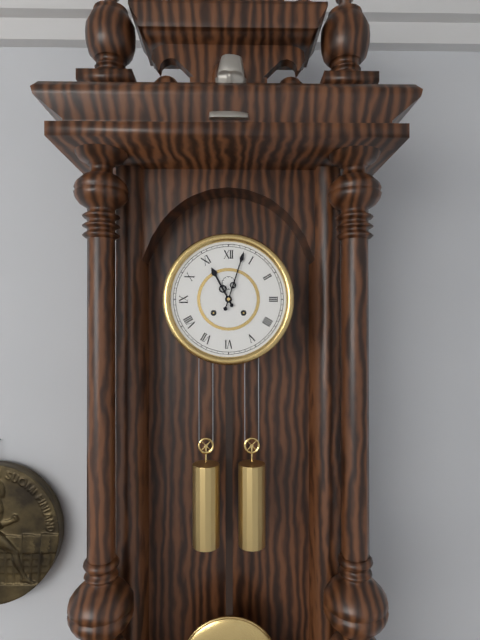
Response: 11:03
